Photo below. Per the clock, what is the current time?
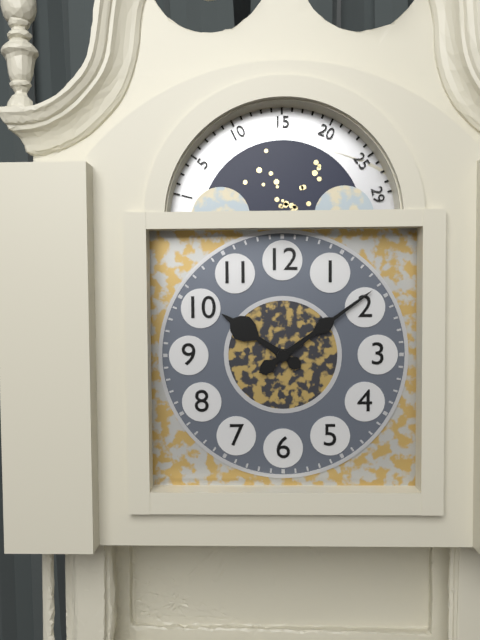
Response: 10:09
